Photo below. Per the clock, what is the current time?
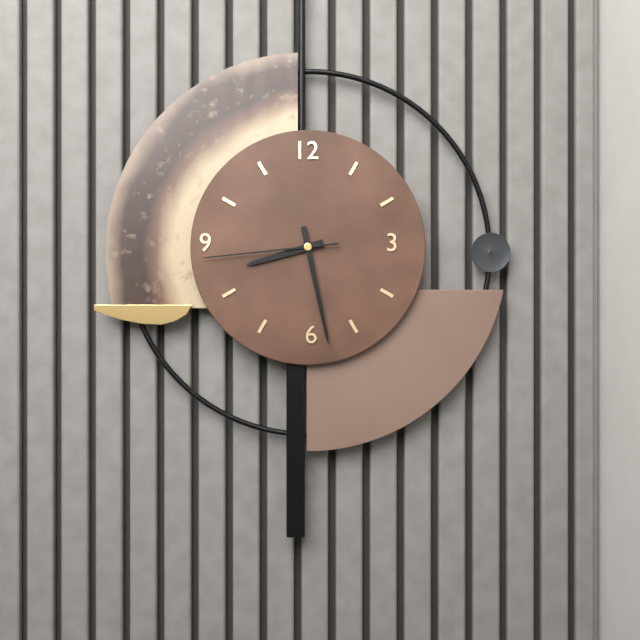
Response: 8:28:44
